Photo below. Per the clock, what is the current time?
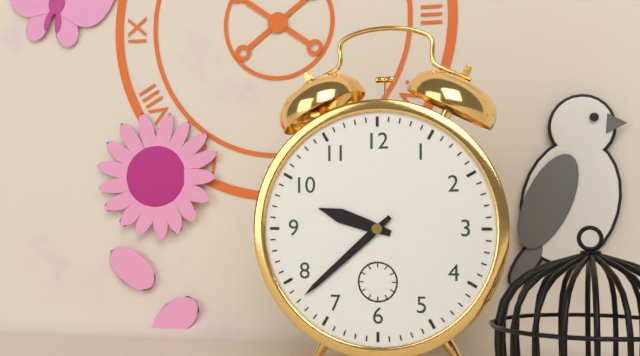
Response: 9:38
